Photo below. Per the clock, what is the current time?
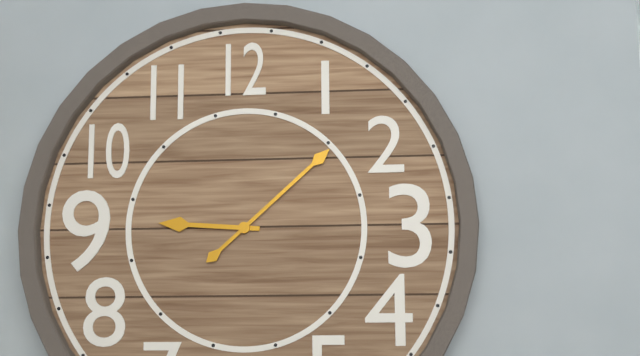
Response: 9:08
